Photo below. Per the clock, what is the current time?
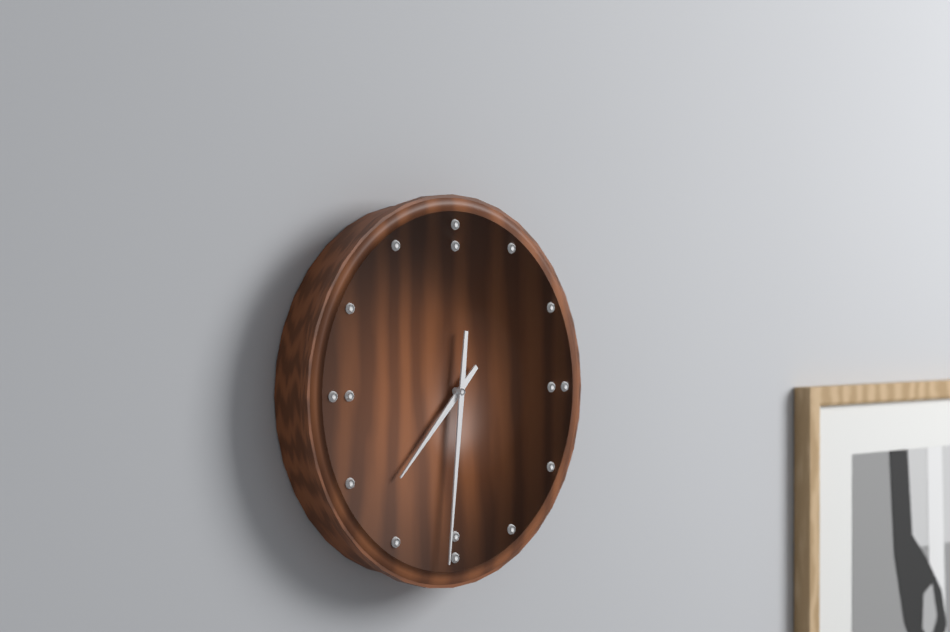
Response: 7:31
